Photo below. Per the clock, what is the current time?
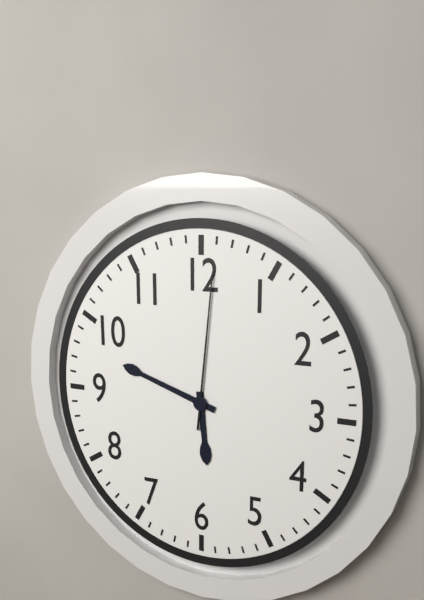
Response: 5:48:01
